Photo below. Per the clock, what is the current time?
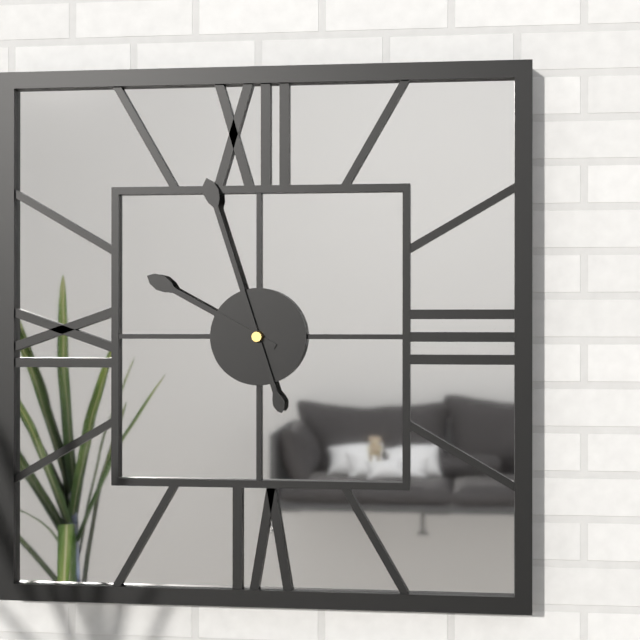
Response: 9:57
